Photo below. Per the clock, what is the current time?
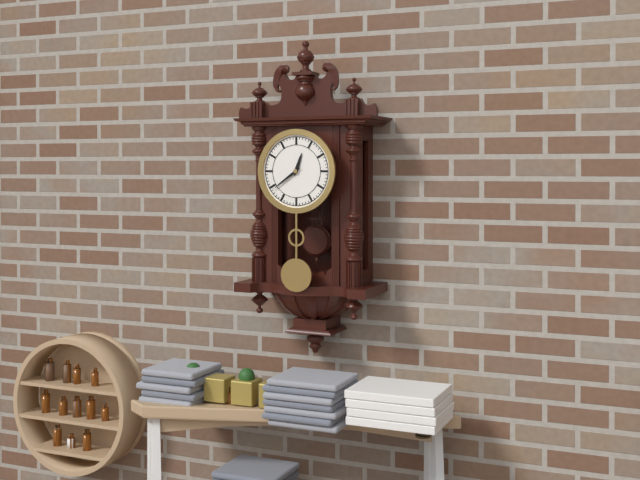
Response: 12:39
